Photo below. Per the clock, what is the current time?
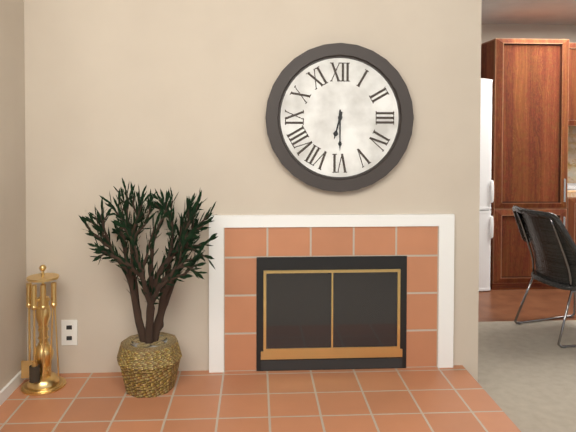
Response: 6:30
